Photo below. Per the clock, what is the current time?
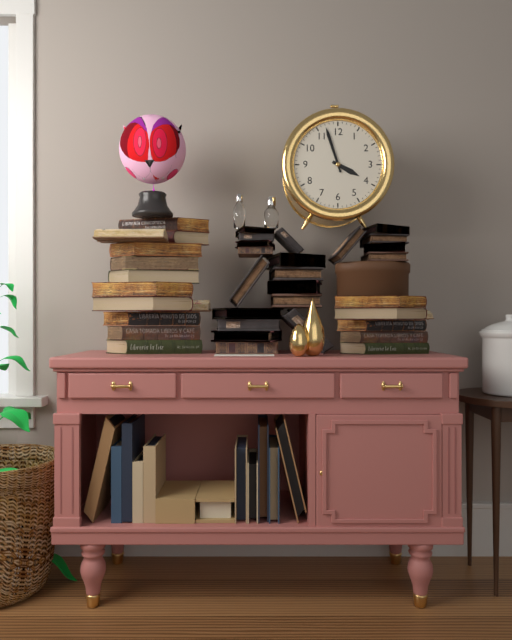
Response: 3:57
